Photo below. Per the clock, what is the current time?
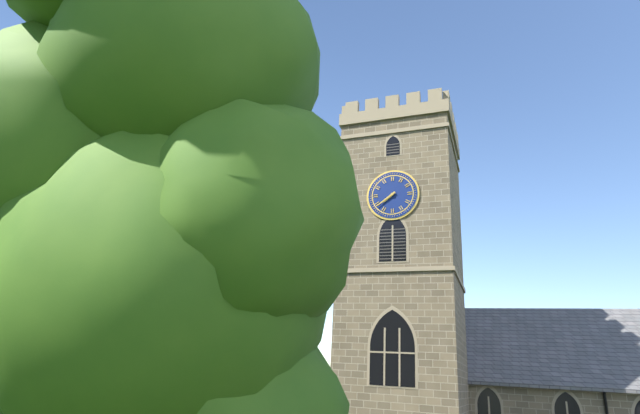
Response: 7:39
